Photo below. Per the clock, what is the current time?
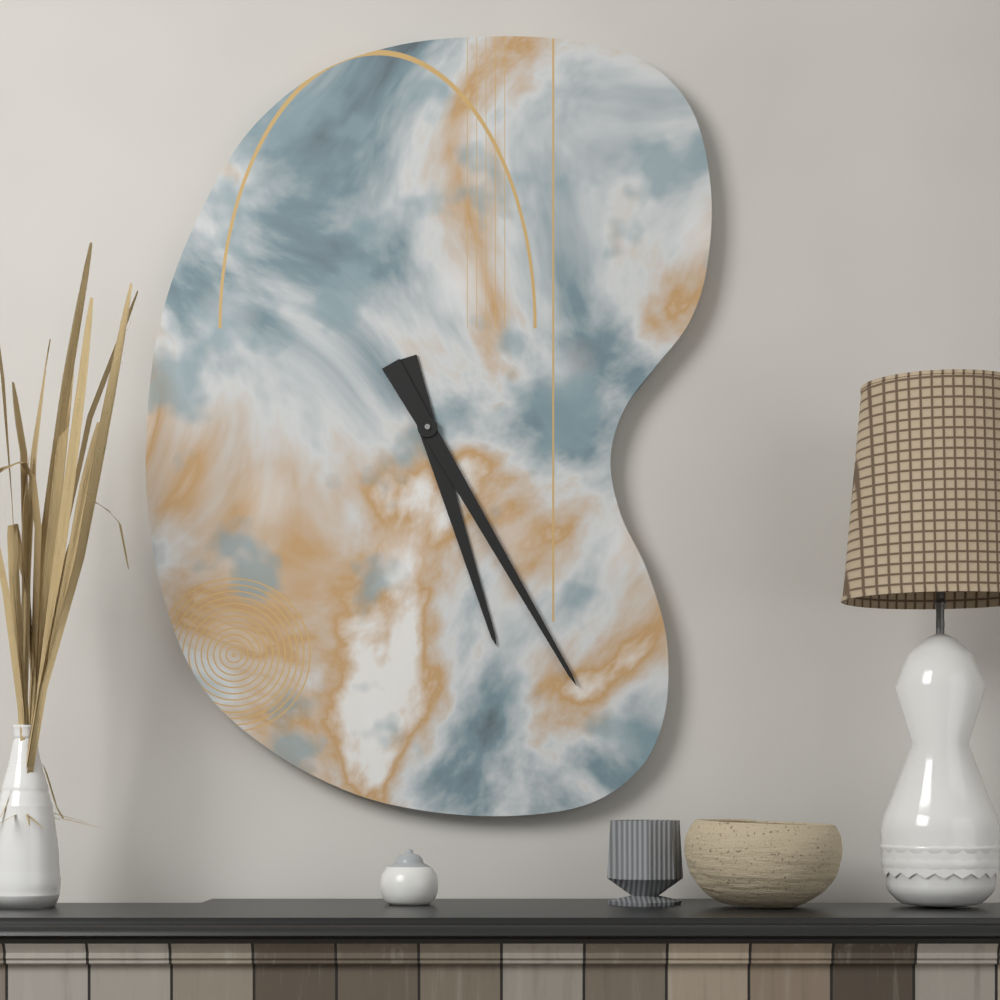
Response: 5:25
